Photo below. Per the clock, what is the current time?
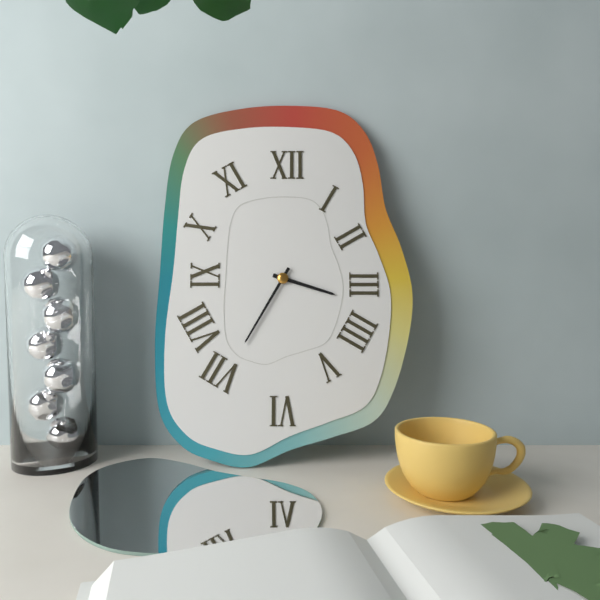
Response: 3:35
